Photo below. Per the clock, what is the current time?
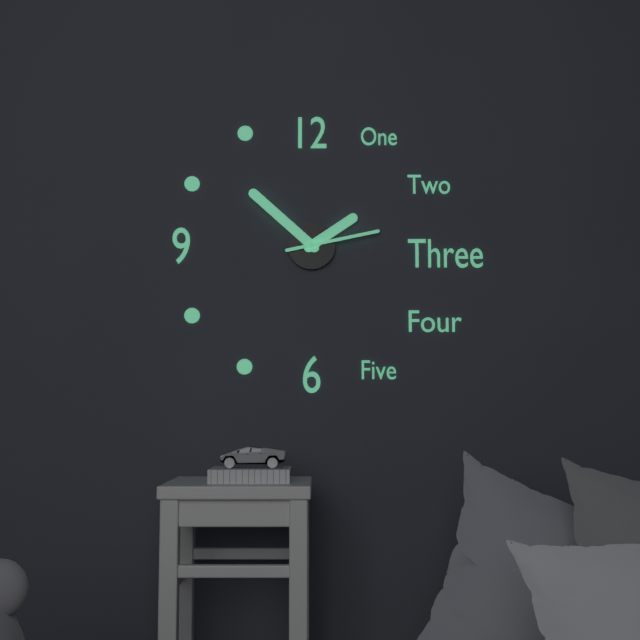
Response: 1:52:13
